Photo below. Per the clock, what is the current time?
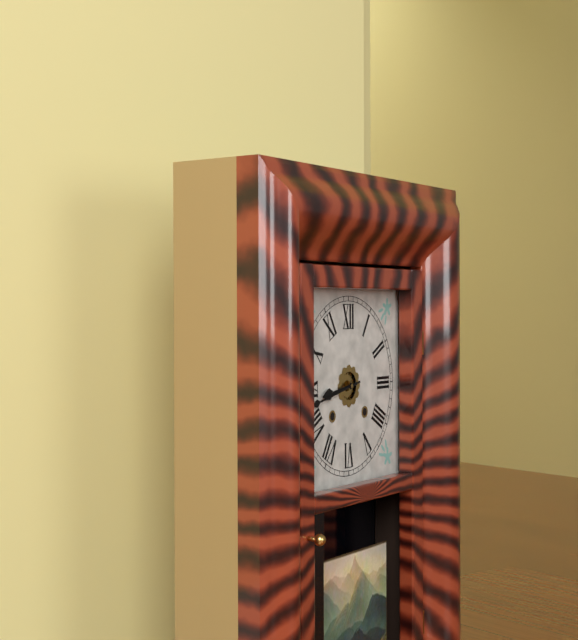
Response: 8:43
